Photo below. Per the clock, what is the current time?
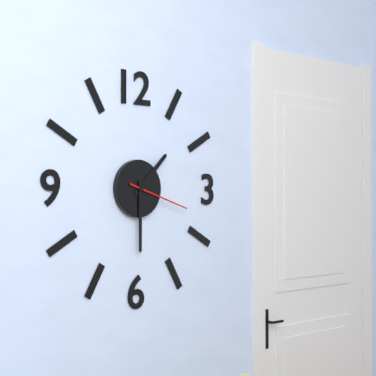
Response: 1:30:18
